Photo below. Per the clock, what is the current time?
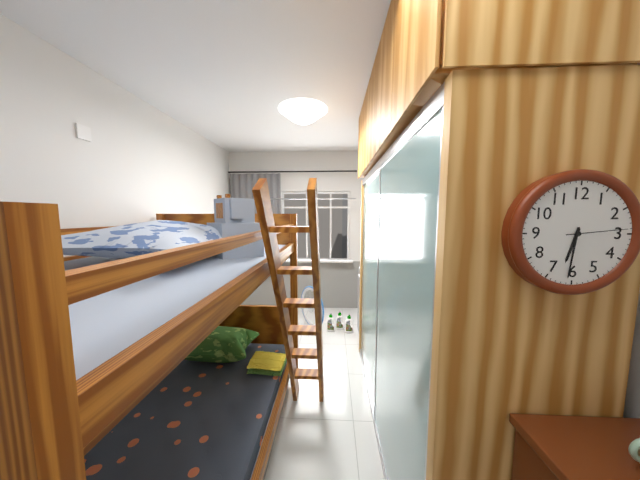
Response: 6:31:14
